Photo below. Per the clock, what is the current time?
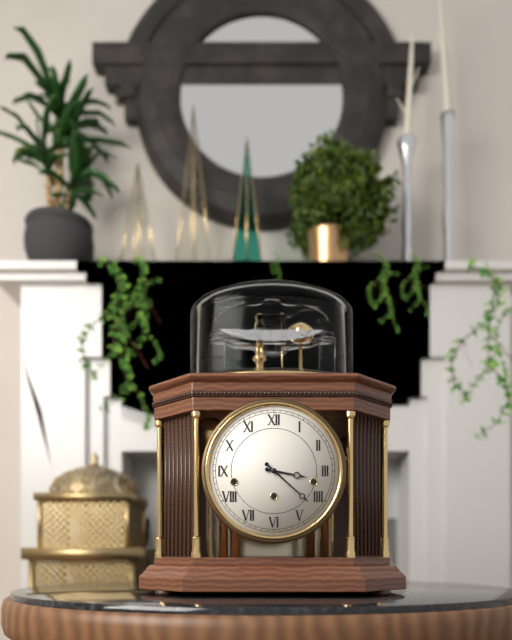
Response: 3:22
